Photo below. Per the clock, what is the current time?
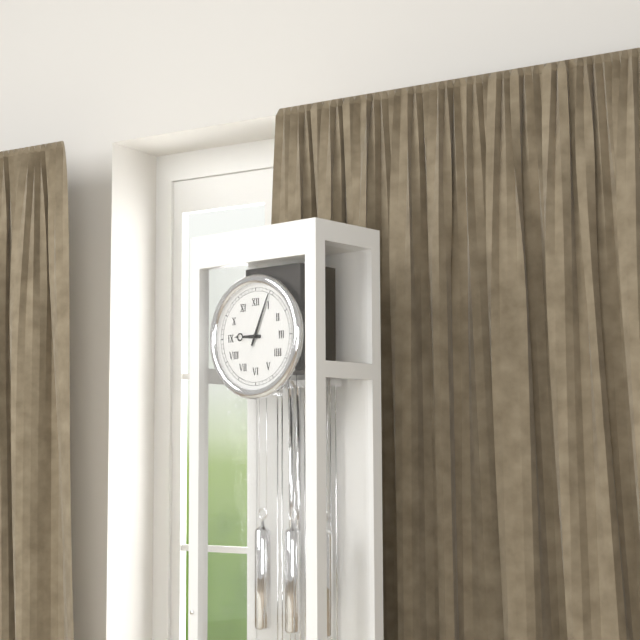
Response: 9:04
